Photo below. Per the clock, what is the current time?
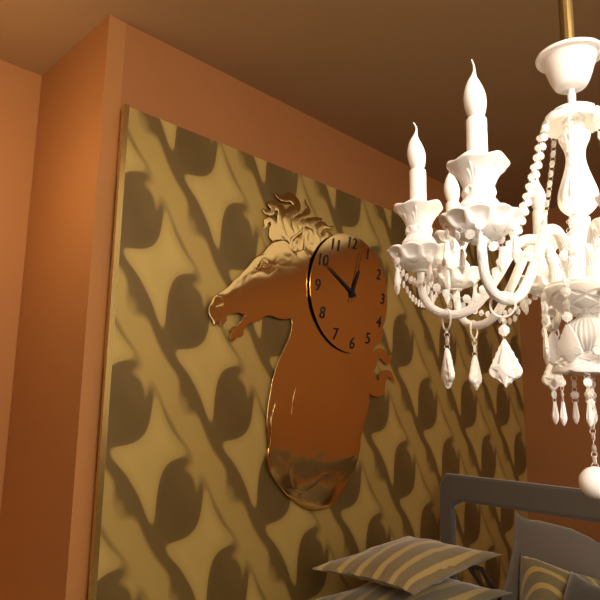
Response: 12:50:03
